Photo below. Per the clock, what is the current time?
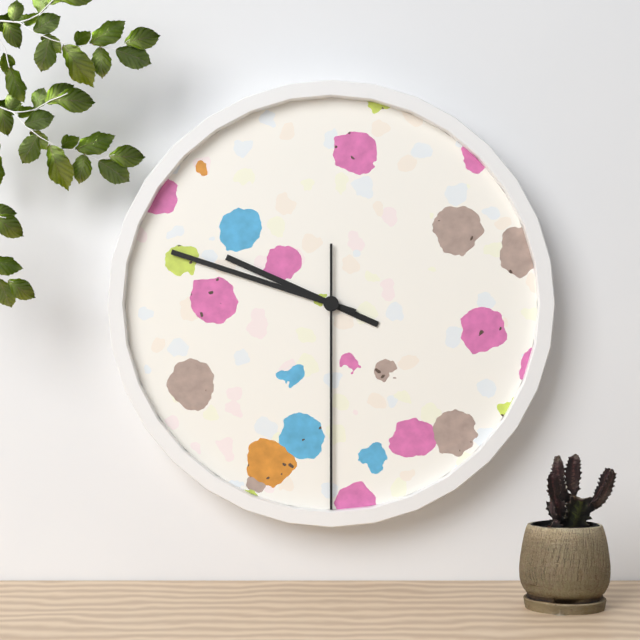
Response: 9:48:30
